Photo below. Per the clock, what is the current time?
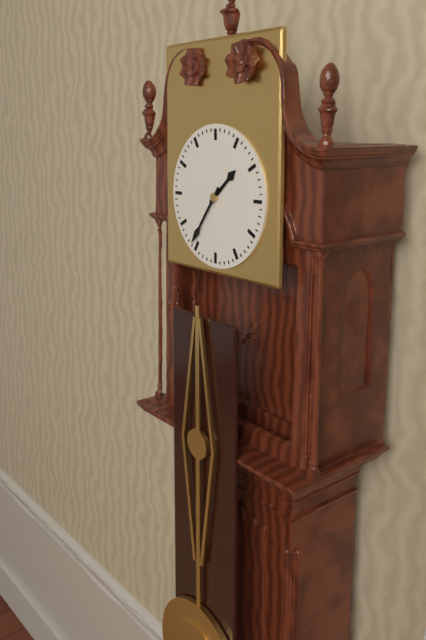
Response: 1:36
